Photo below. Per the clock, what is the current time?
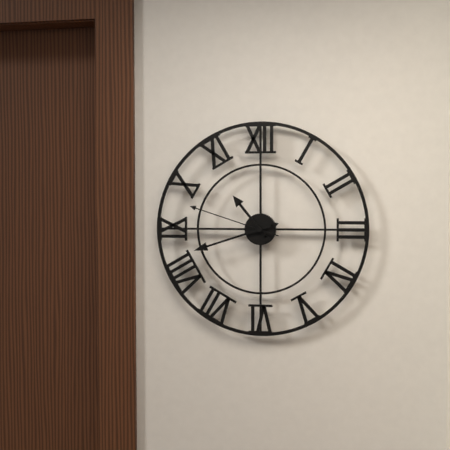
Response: 10:42:48
